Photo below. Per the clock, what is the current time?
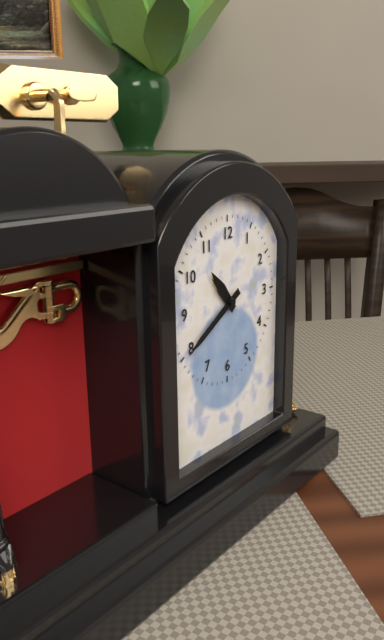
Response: 10:40
